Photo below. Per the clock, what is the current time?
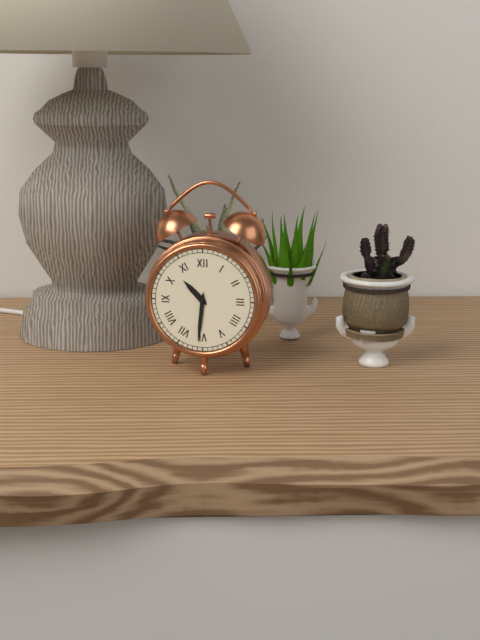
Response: 10:31
